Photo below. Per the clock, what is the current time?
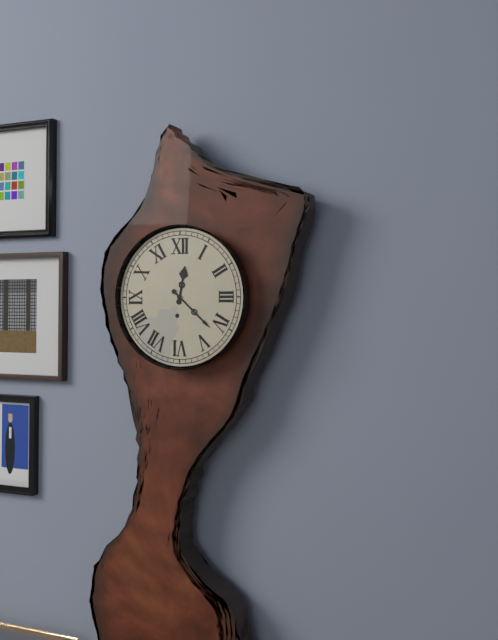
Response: 12:22
